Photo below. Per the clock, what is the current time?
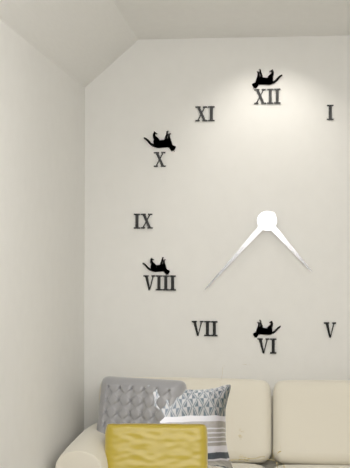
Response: 4:37
